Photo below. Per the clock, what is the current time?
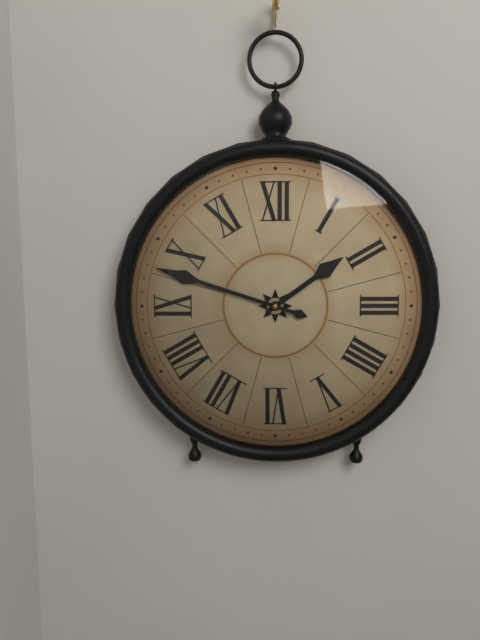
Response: 1:48
